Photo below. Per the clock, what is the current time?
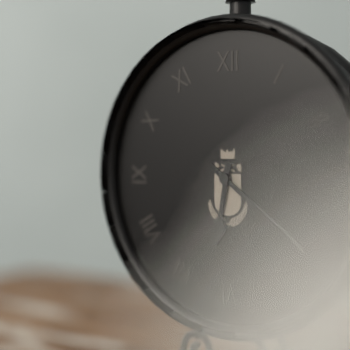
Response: 6:21
